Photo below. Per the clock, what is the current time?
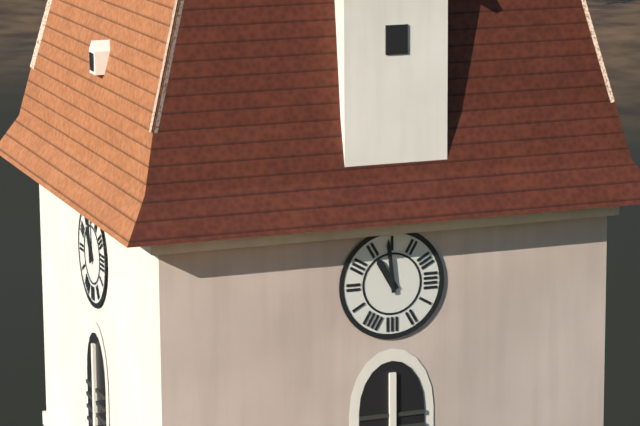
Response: 10:59
